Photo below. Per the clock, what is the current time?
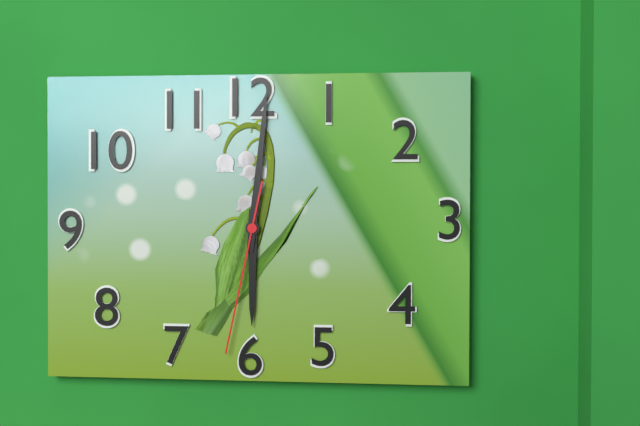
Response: 6:01:32
